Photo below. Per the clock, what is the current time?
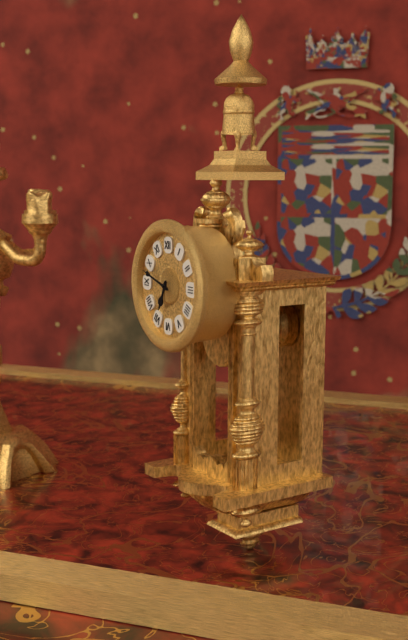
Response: 6:48
